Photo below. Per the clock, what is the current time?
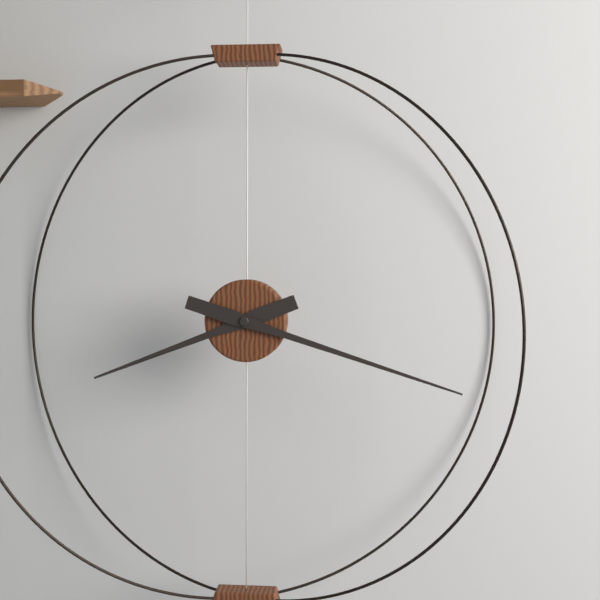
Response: 8:18
